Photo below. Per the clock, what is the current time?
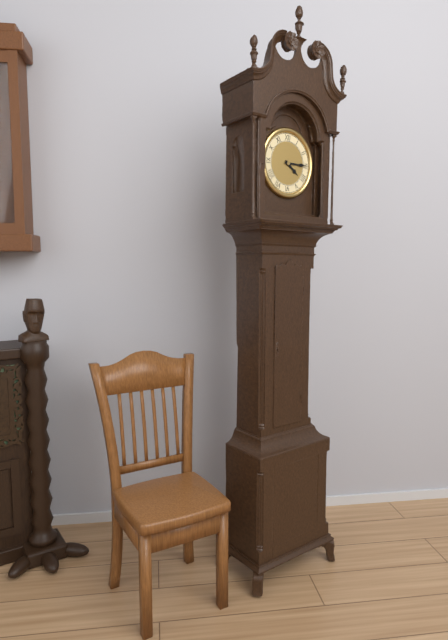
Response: 4:15
